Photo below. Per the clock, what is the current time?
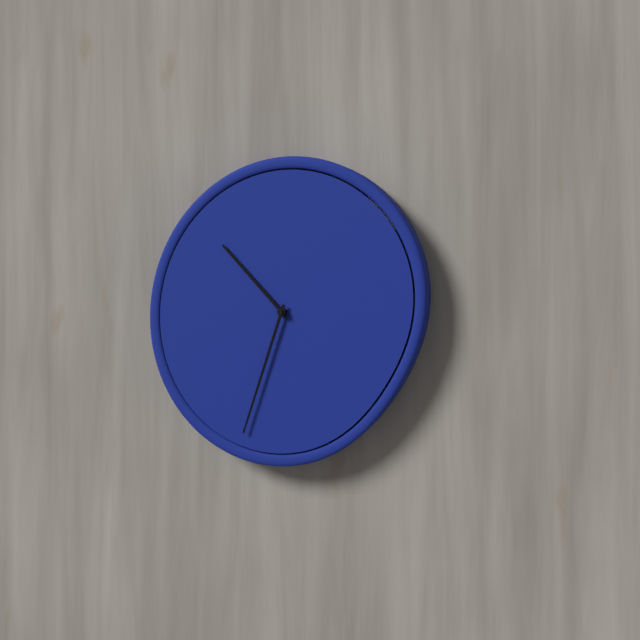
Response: 10:33
